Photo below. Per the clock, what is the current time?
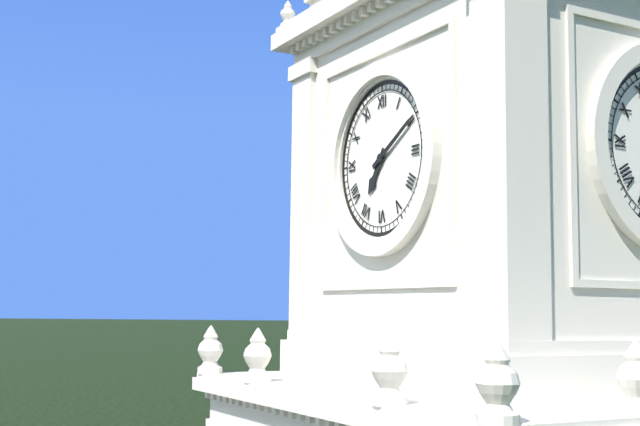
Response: 7:10
